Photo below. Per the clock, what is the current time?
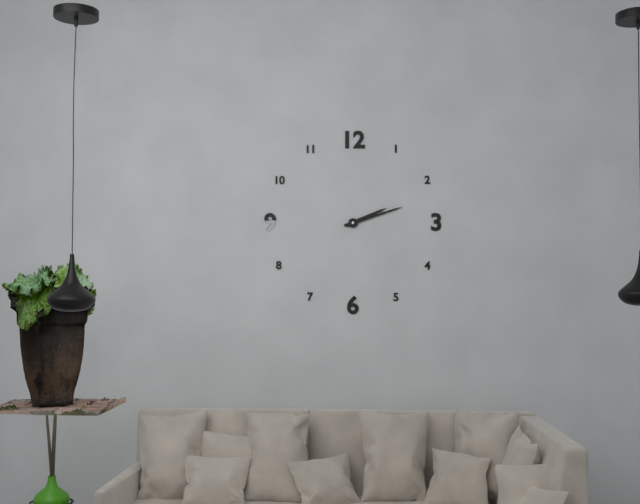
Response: 2:12
